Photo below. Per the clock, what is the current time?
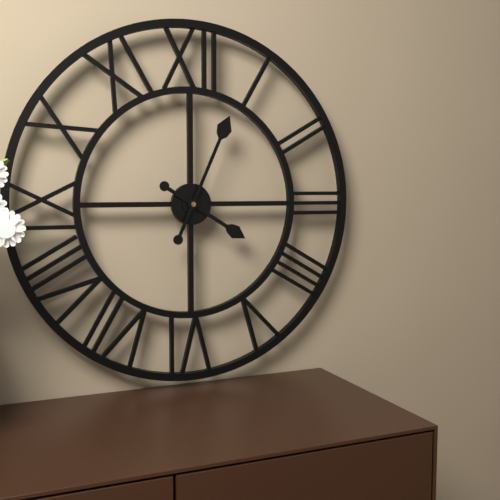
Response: 4:04
